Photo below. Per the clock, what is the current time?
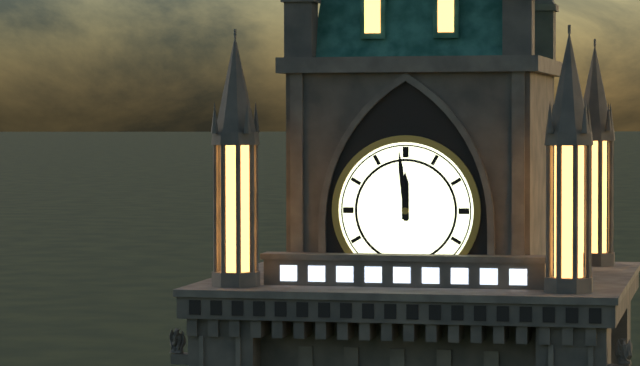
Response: 11:59
